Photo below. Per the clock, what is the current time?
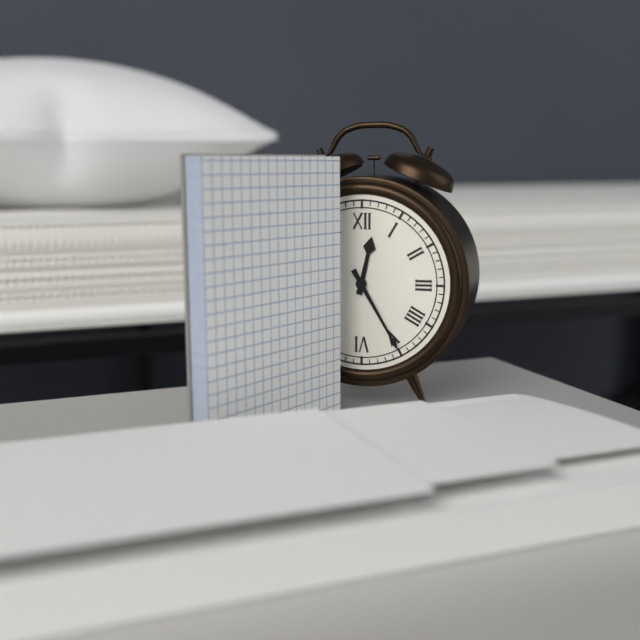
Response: 12:25
